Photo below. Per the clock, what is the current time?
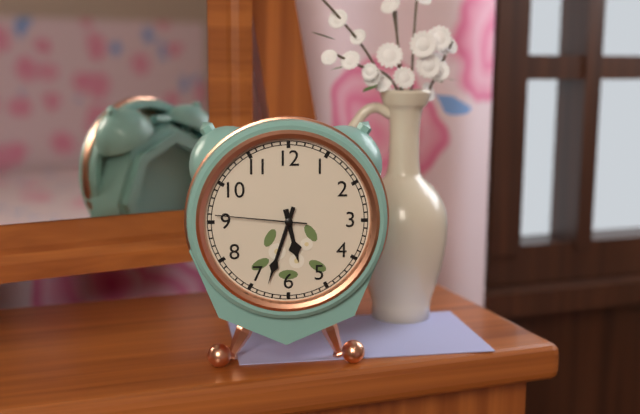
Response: 5:33:46
